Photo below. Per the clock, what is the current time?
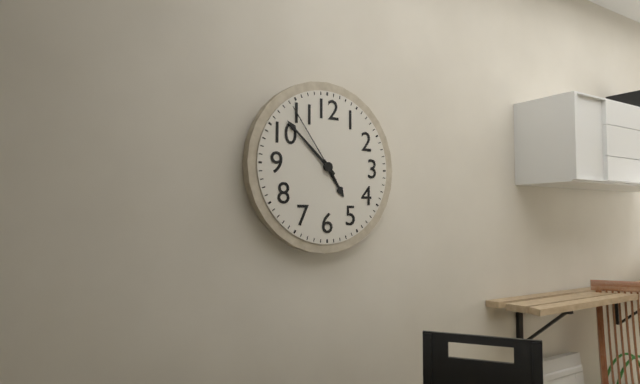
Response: 4:52:54
